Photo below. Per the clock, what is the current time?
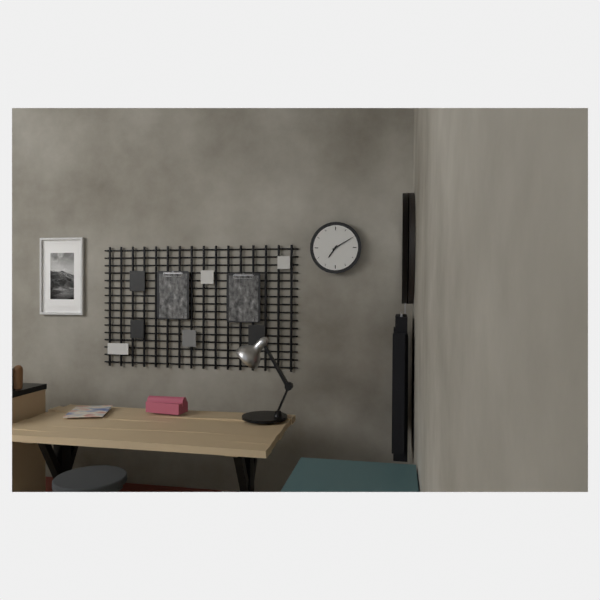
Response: 7:10
